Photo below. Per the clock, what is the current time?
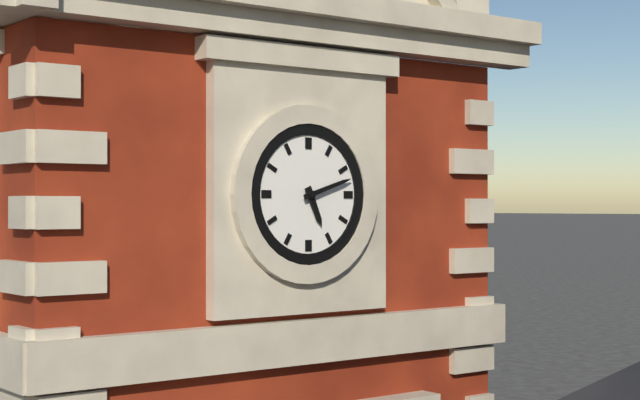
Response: 5:12
